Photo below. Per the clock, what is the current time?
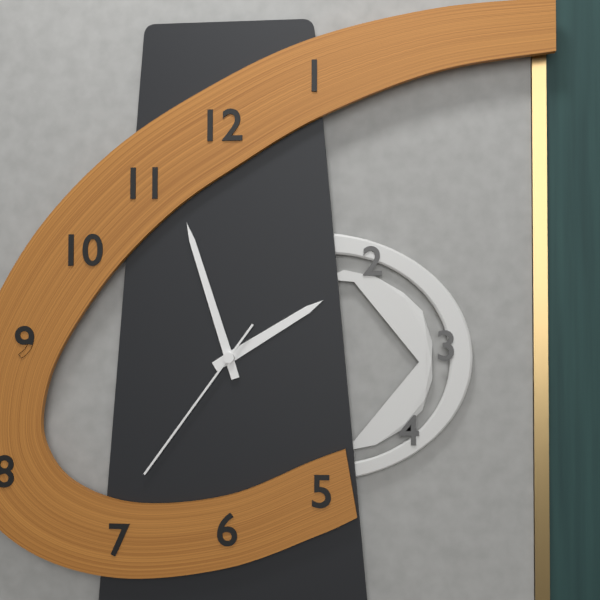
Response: 1:57:36
